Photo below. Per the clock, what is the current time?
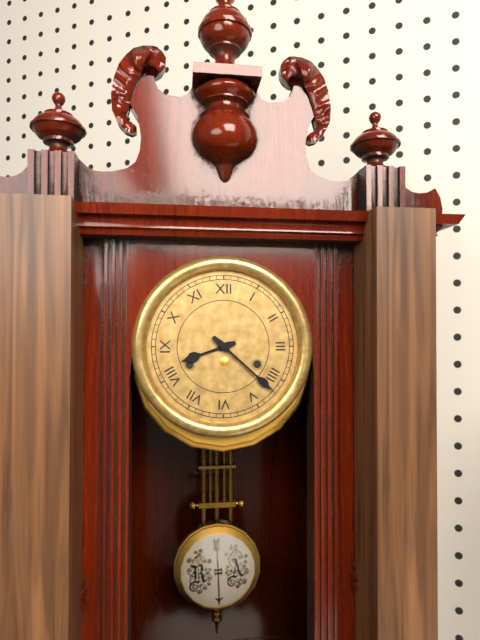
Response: 8:22
